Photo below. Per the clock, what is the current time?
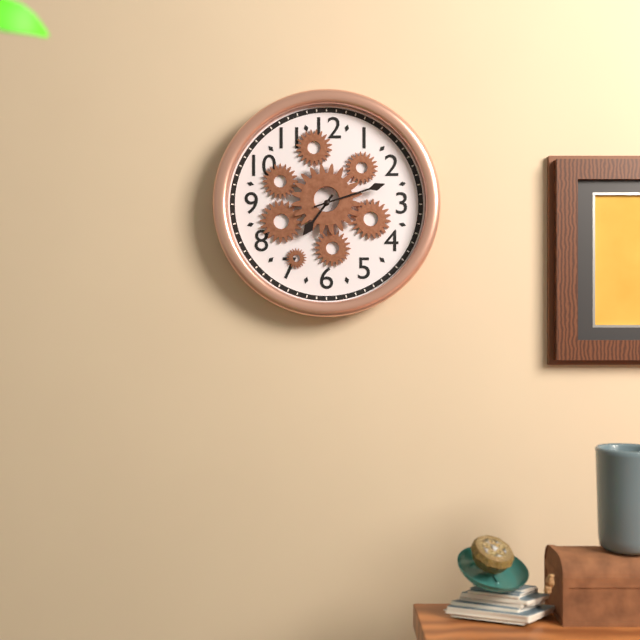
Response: 7:12
